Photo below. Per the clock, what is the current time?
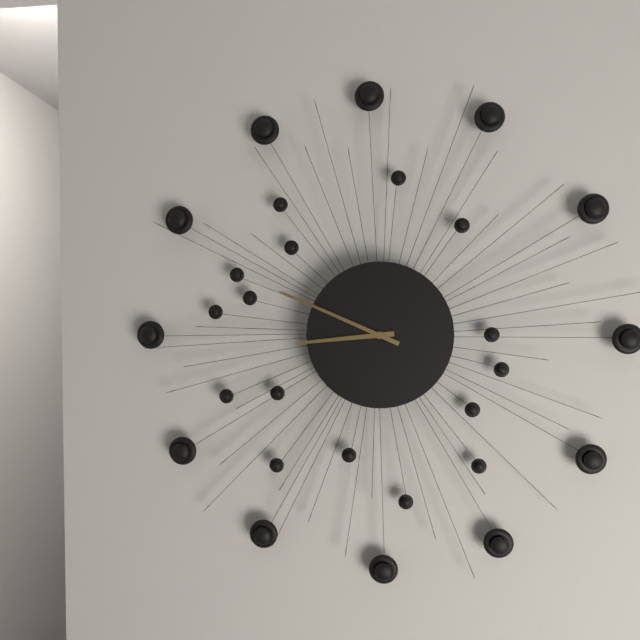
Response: 8:49
